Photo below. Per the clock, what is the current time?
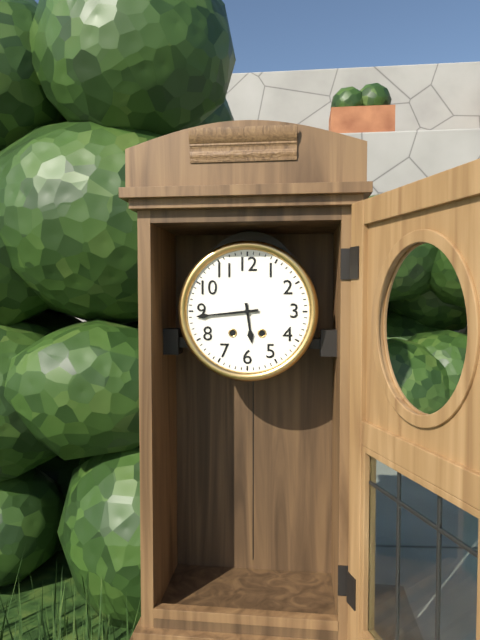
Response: 5:44
